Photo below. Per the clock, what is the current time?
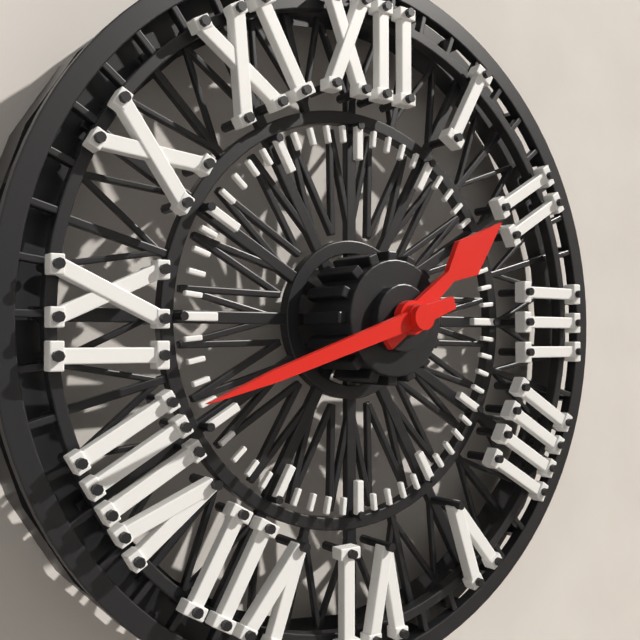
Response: 1:42
